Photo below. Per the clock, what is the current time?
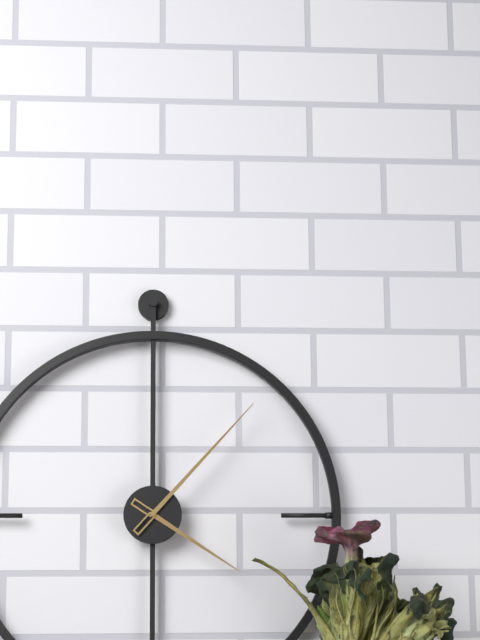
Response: 4:07
